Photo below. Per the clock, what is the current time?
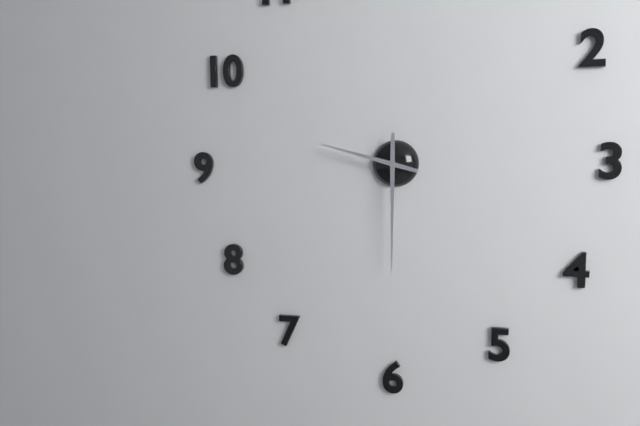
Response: 9:30
